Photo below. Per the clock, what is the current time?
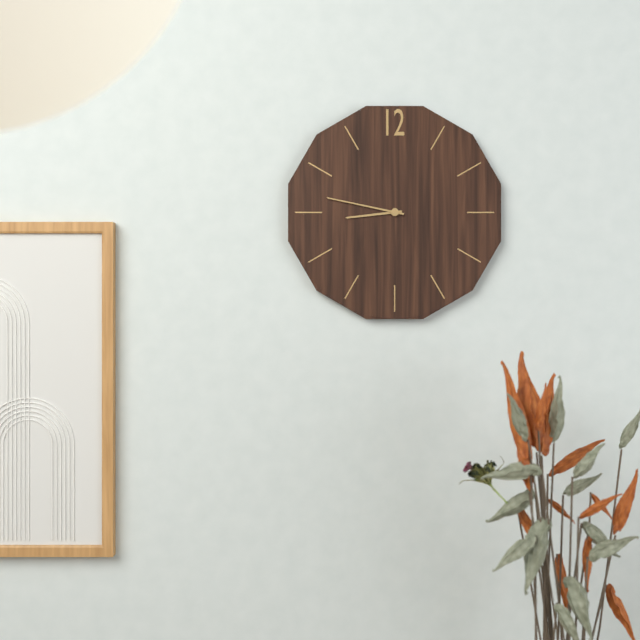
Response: 8:47
